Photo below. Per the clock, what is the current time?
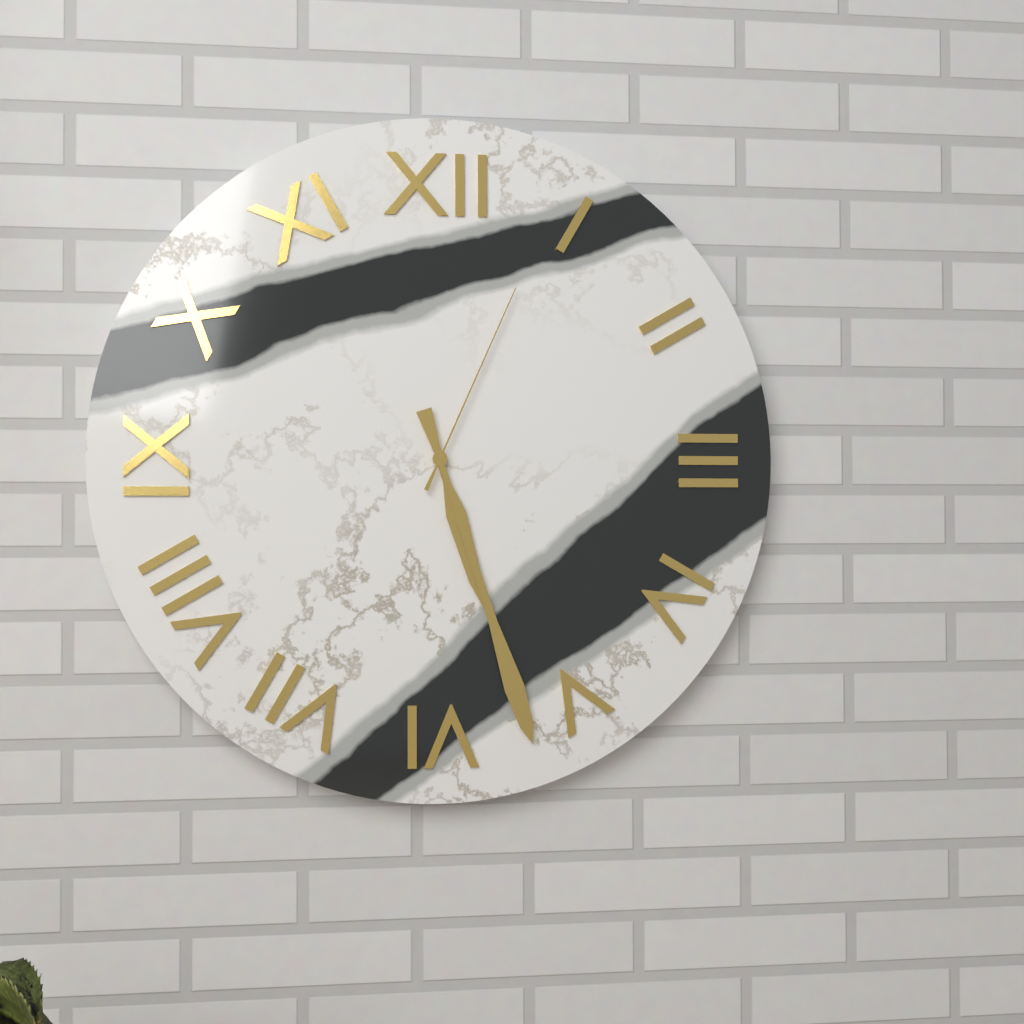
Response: 5:27:04
